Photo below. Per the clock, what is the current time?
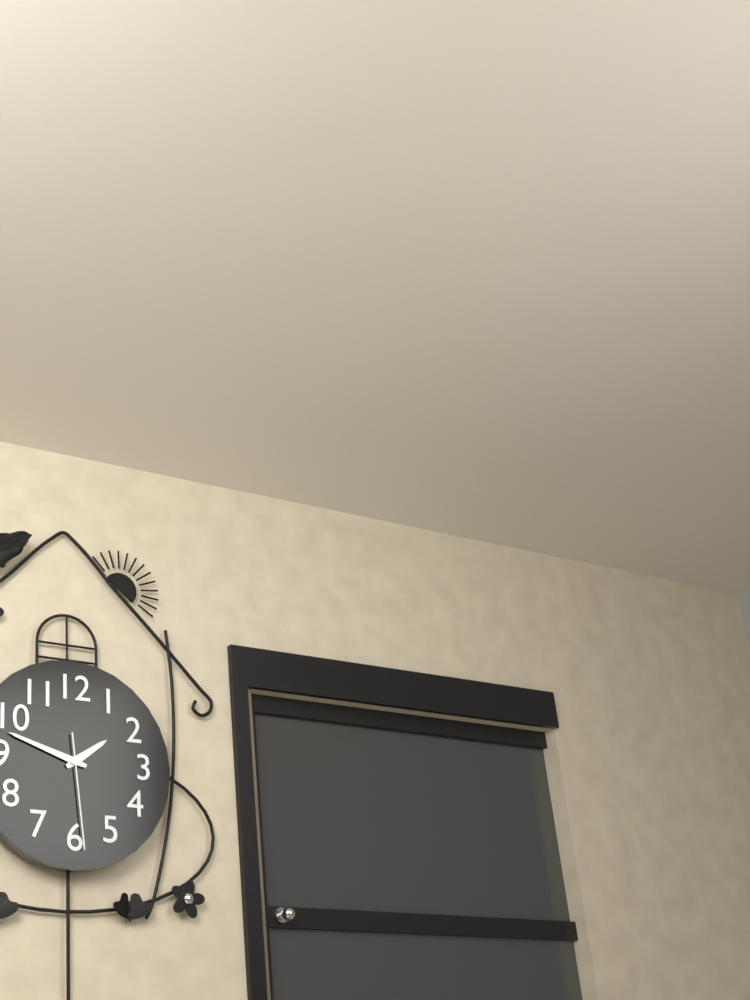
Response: 1:48:29
